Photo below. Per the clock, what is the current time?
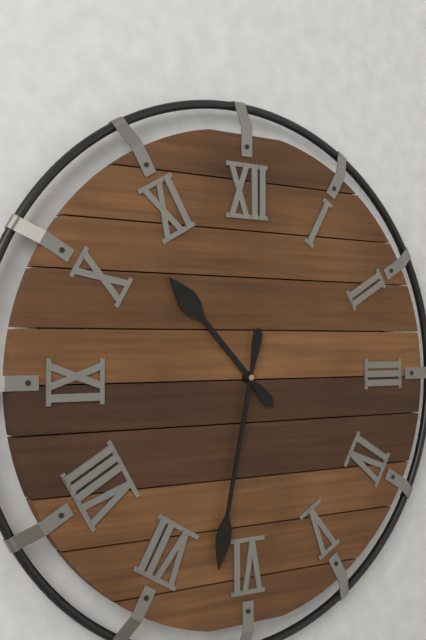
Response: 10:32
